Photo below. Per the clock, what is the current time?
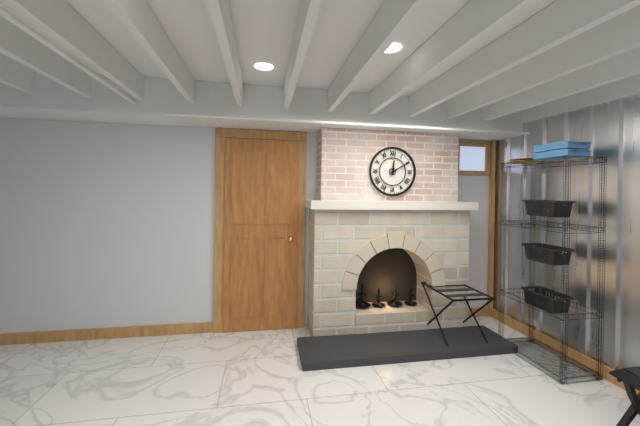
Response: 12:10
